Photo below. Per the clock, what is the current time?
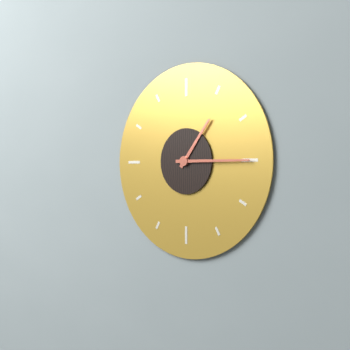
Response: 1:15
